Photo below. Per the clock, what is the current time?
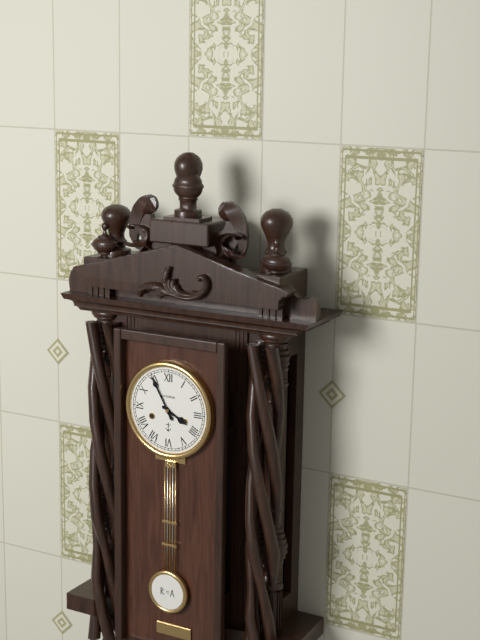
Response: 3:55
